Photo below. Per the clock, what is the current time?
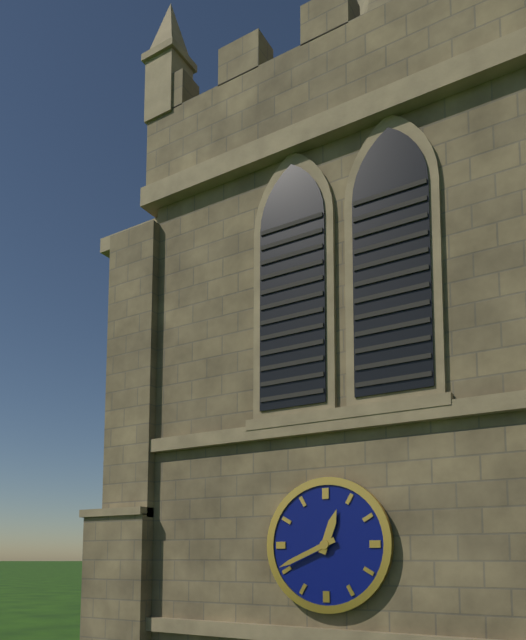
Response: 12:41
